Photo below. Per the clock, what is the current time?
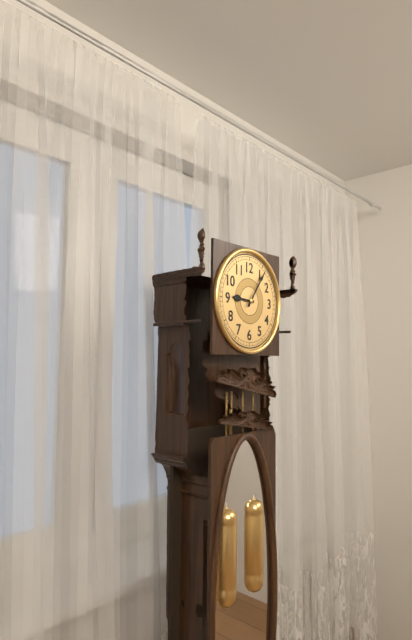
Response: 9:06
